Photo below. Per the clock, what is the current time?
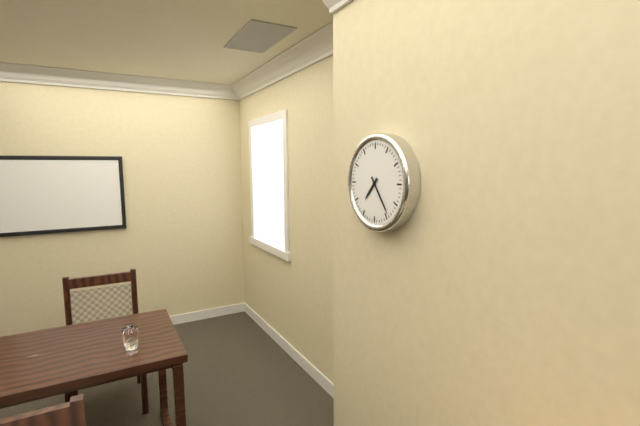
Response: 7:24
